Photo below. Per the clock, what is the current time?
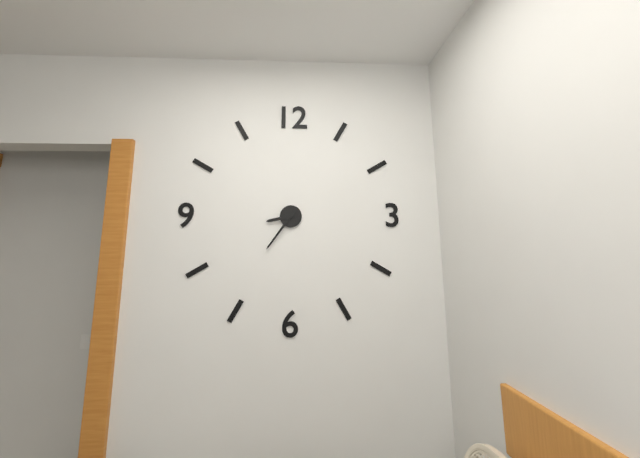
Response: 8:36
